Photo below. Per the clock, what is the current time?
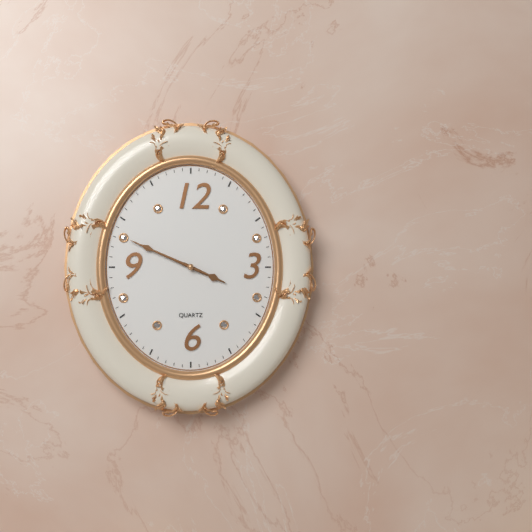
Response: 3:49:49
